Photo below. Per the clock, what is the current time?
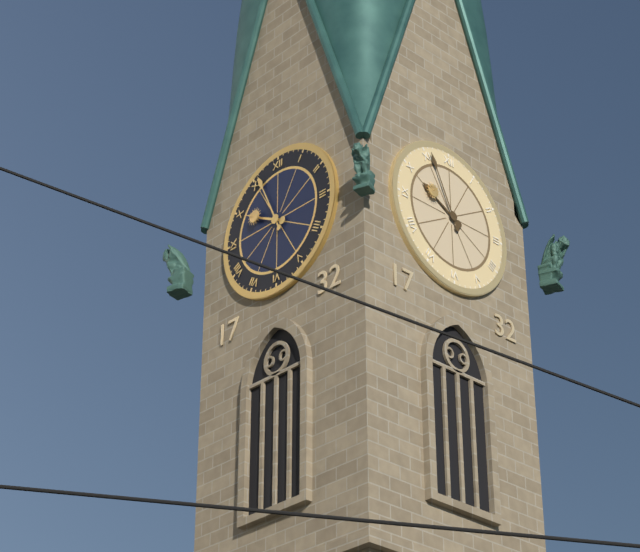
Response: 9:56
